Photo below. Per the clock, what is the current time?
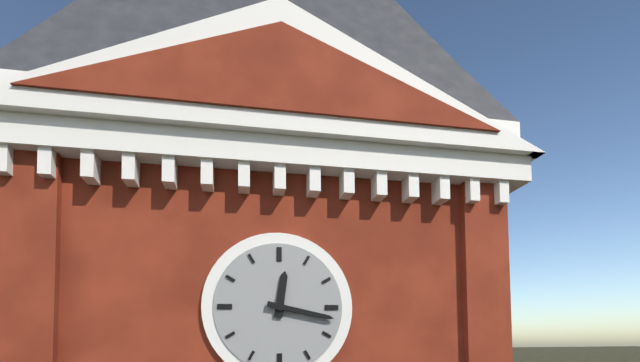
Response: 12:17
